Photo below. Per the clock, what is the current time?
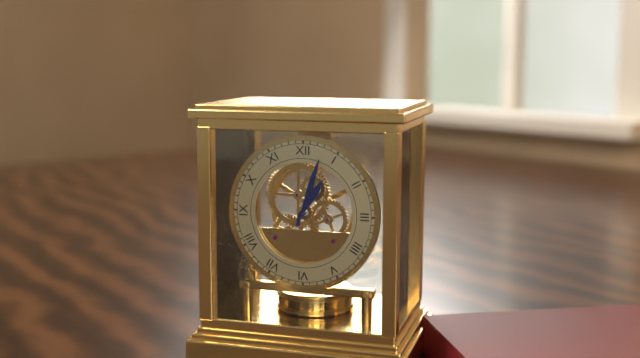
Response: 1:03
